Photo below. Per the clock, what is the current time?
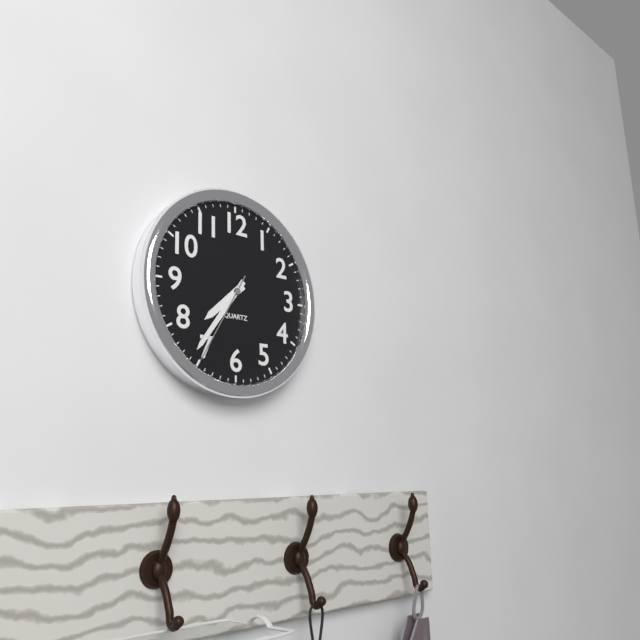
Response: 7:36:35
